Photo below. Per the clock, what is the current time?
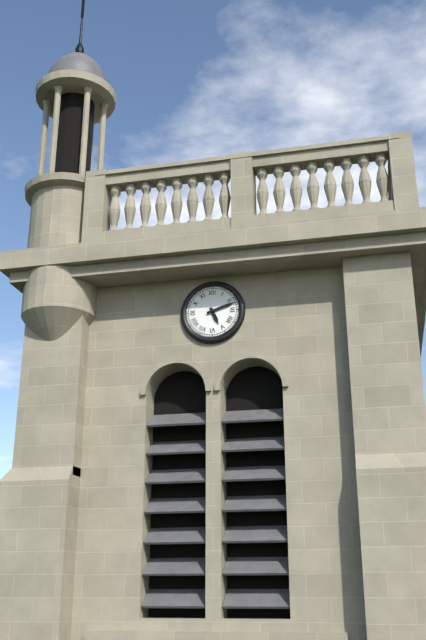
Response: 5:12
